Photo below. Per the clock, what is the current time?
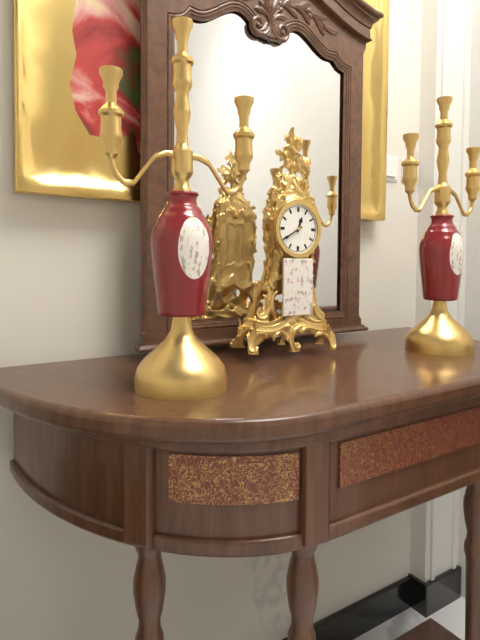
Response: 12:40
